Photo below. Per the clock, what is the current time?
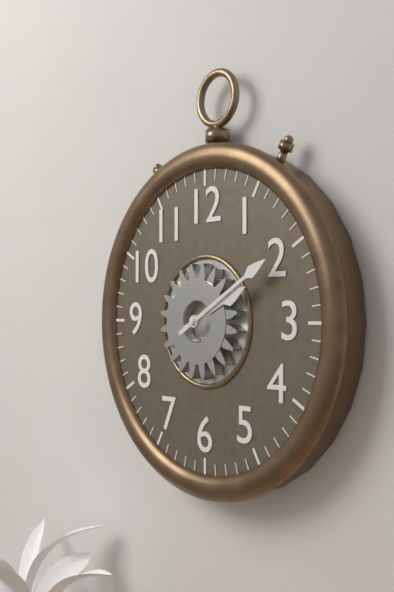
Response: 2:10
